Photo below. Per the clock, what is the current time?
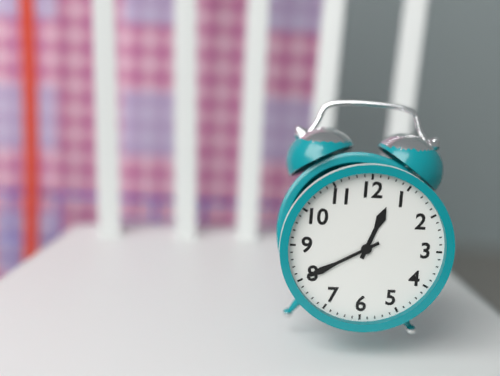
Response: 12:40
